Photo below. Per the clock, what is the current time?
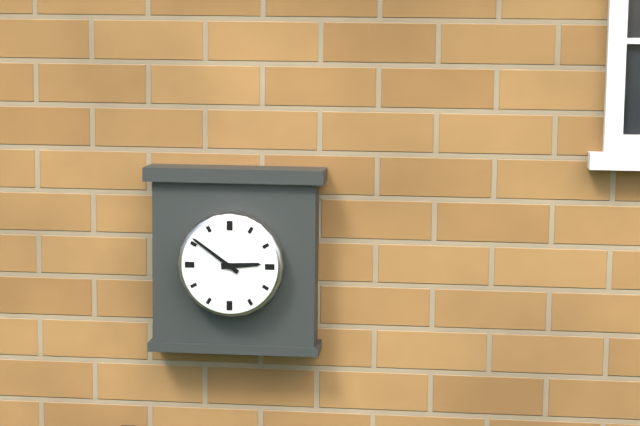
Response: 2:51
